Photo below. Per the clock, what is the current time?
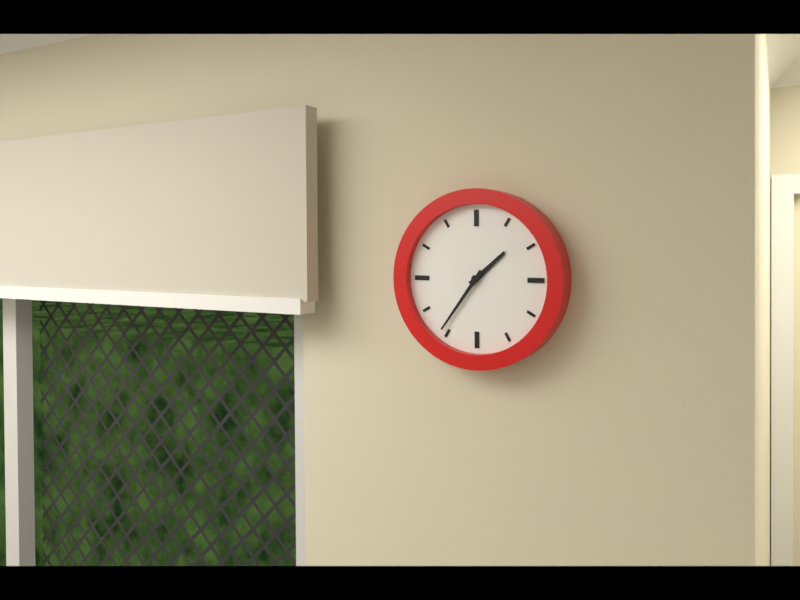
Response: 1:36
